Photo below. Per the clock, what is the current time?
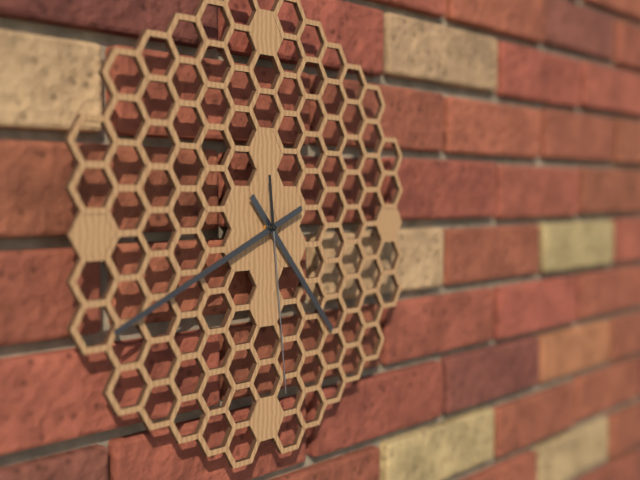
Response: 4:41:29
